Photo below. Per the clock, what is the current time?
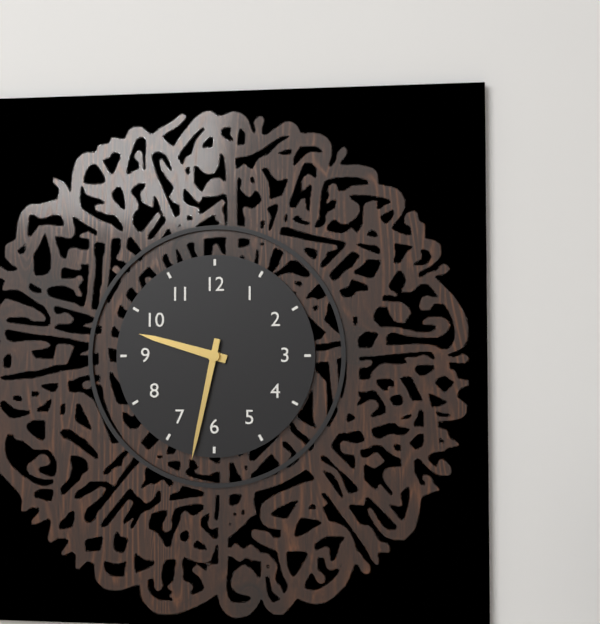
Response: 9:32
